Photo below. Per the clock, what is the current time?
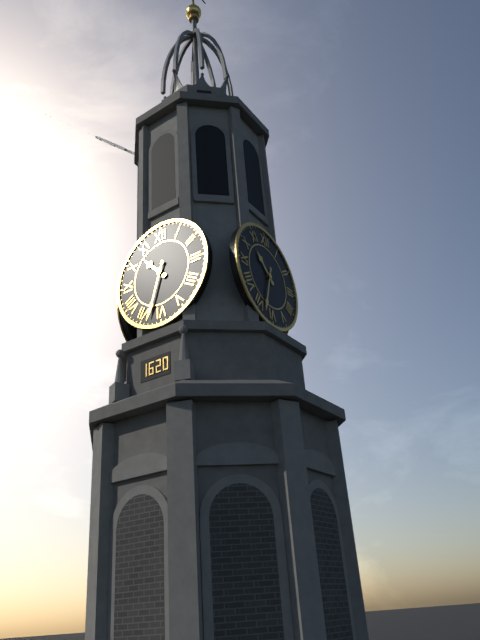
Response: 10:33
